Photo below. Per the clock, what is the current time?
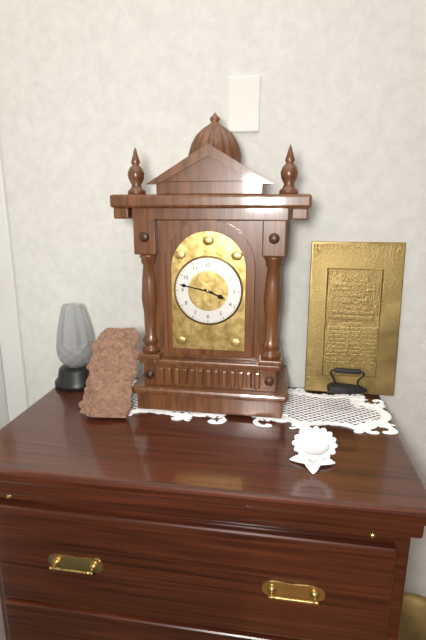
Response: 3:47
